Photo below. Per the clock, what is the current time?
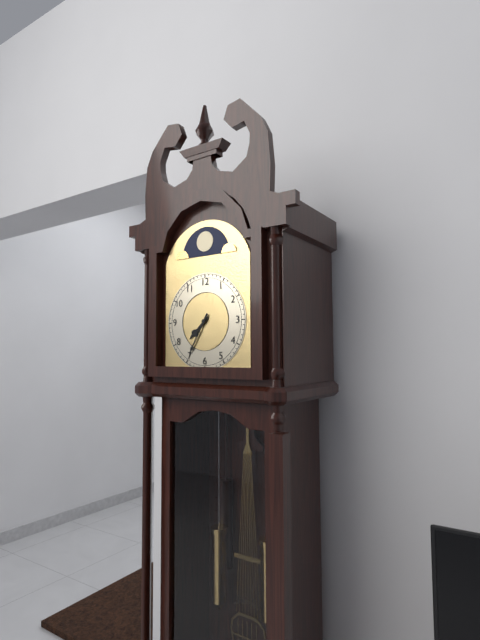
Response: 7:35
